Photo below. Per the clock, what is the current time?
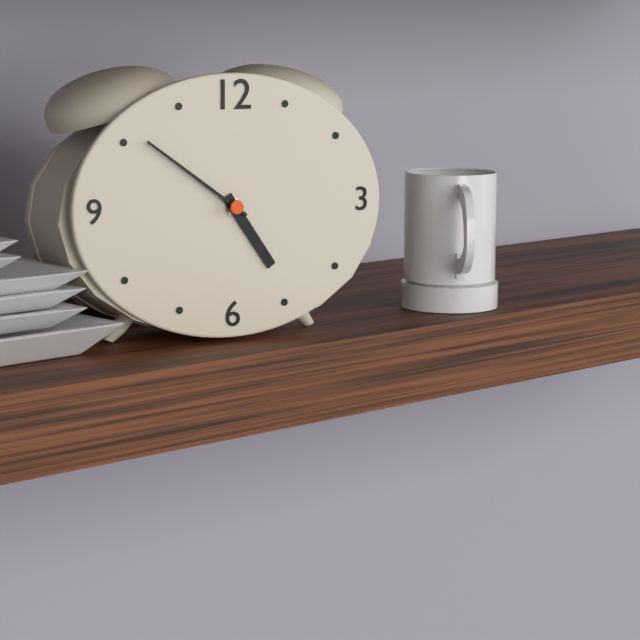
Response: 4:51
